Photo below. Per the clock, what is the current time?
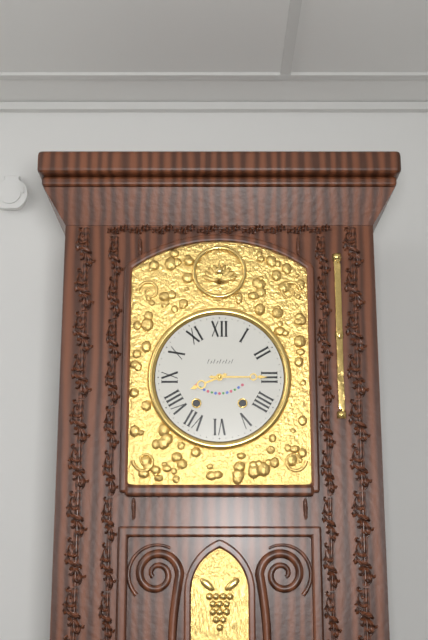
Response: 8:15
